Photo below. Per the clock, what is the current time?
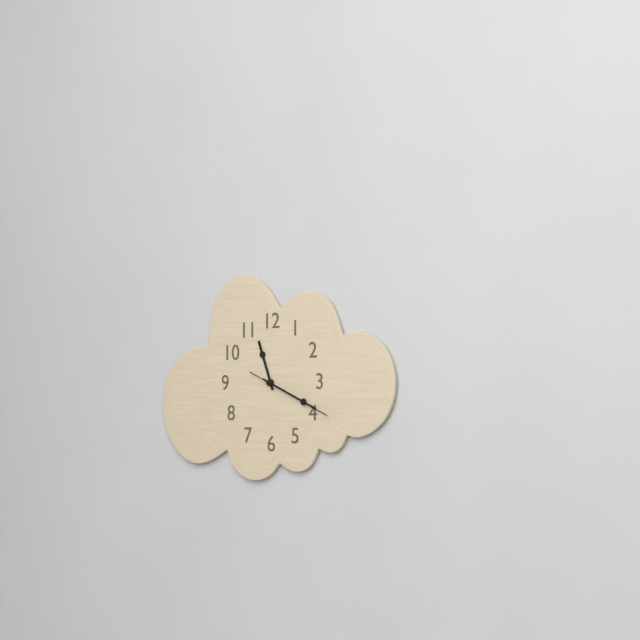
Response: 11:19:19
